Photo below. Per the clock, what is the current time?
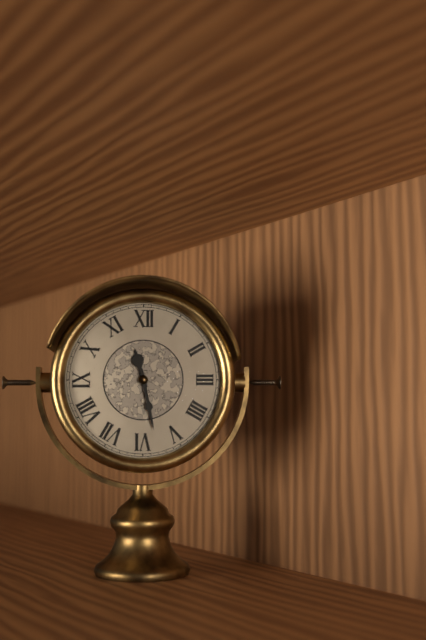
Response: 11:28
